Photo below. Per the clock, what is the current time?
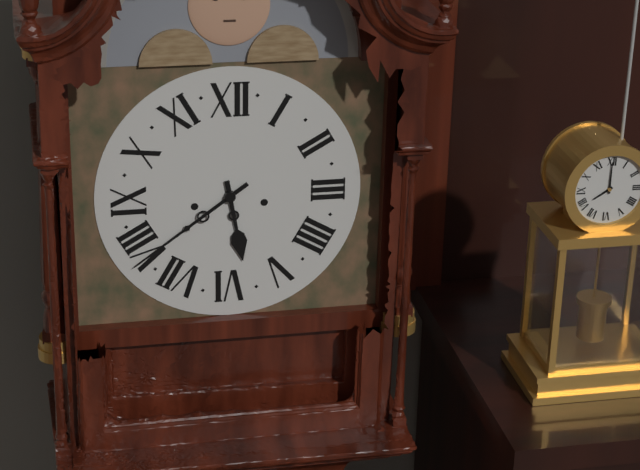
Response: 5:39
